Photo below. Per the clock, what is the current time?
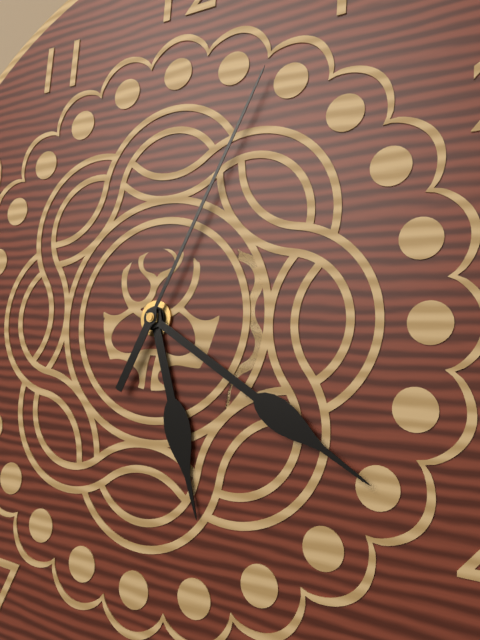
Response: 5:20:04
